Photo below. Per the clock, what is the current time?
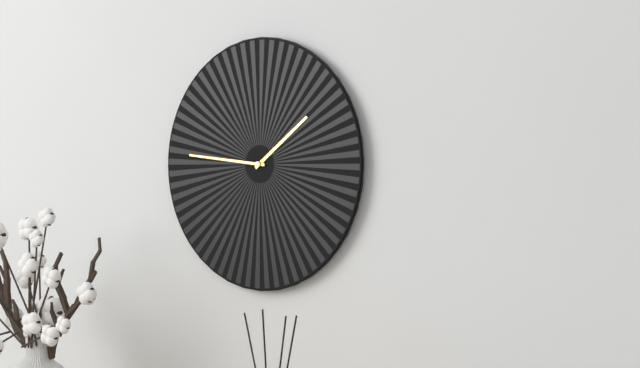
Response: 1:46
